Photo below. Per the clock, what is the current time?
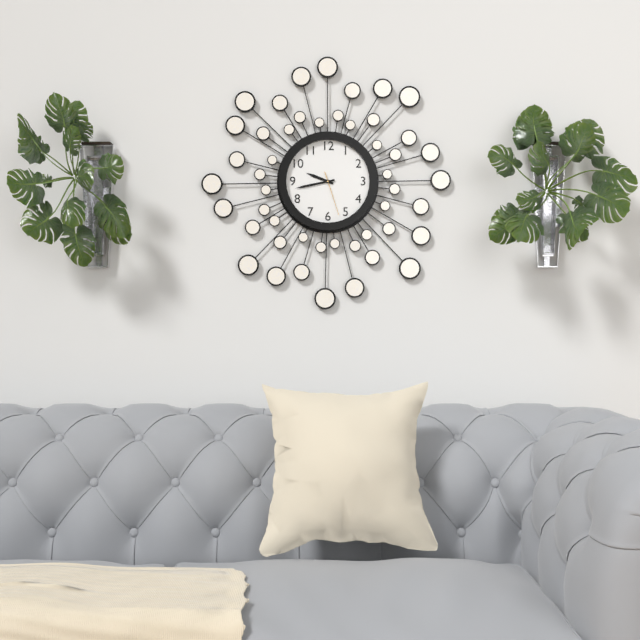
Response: 9:43
